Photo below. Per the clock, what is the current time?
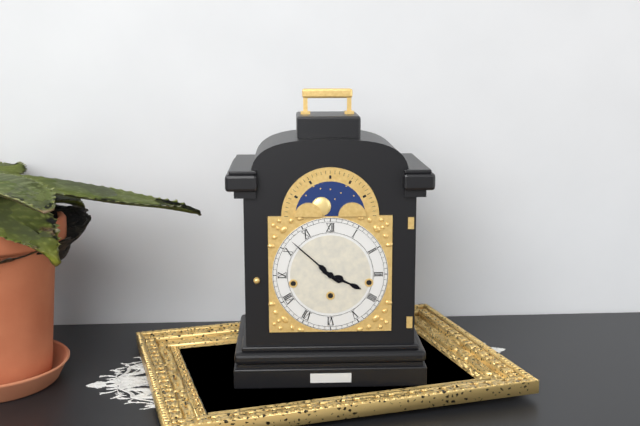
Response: 3:52
